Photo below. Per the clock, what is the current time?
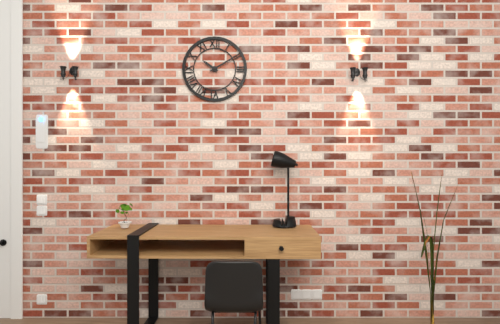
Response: 10:10
